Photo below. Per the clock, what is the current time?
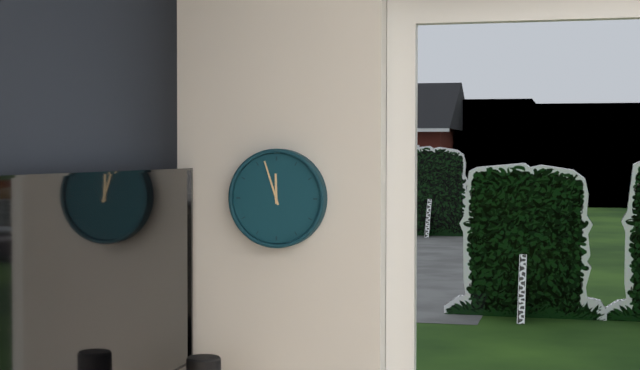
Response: 11:57
